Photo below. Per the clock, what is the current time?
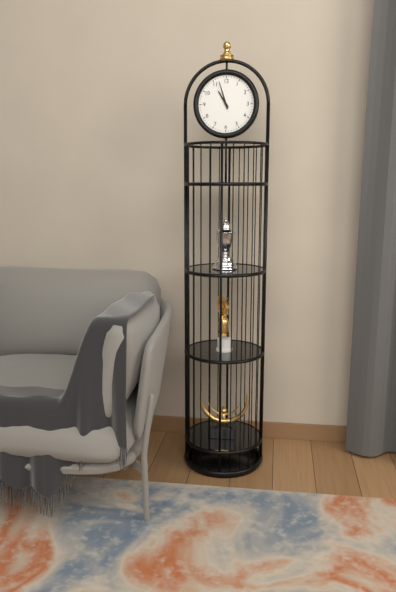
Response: 10:57
